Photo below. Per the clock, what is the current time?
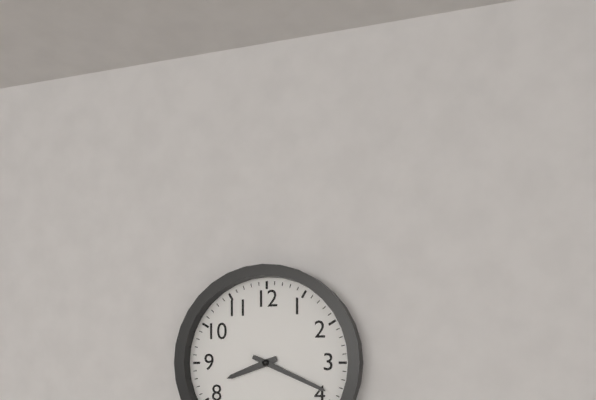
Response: 8:19
